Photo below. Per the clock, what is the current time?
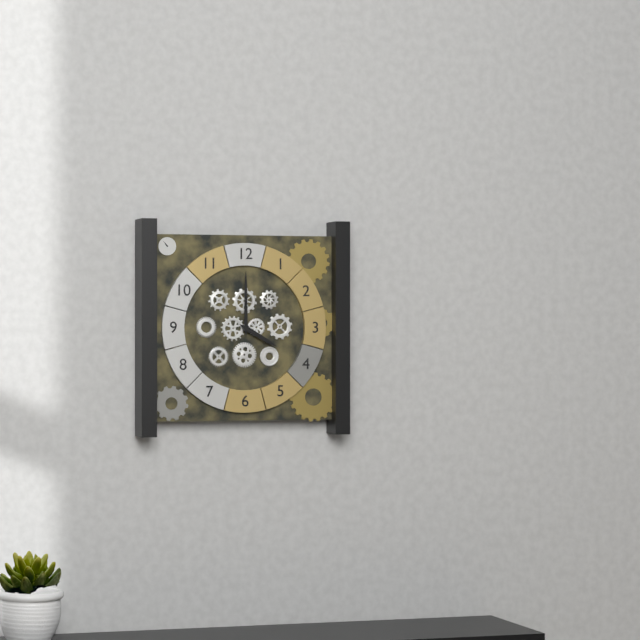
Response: 4:00
